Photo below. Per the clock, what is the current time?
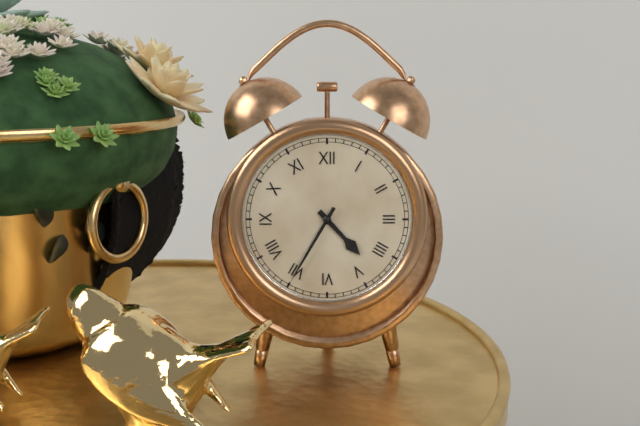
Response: 4:35
